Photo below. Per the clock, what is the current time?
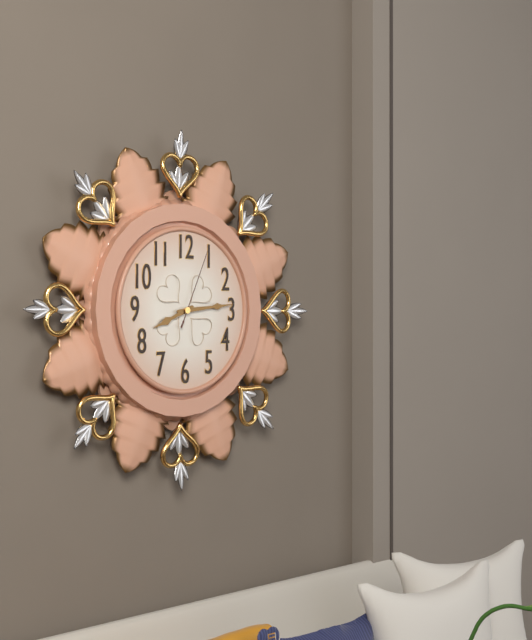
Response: 8:14:04
